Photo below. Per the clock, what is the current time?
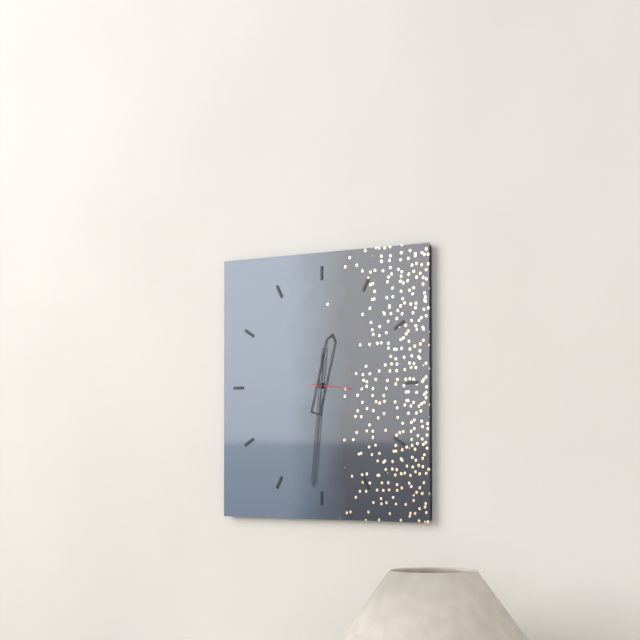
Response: 12:31
